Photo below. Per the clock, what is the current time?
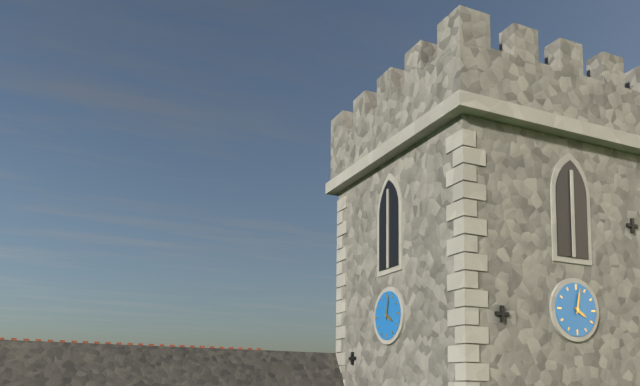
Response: 4:02
